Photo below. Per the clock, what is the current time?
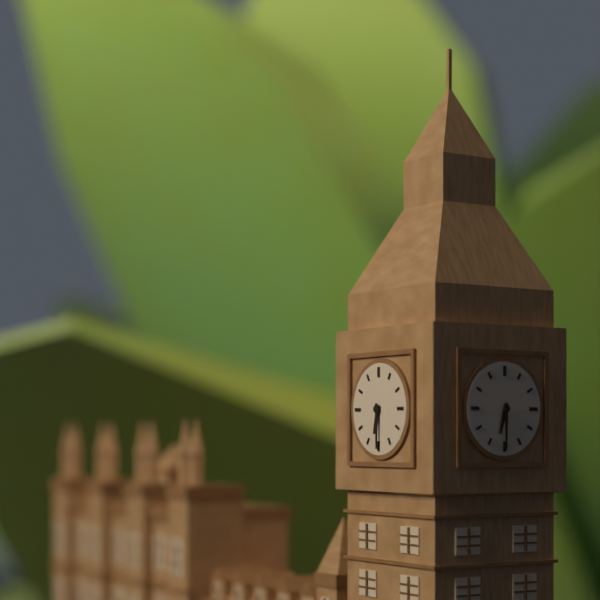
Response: 6:30
